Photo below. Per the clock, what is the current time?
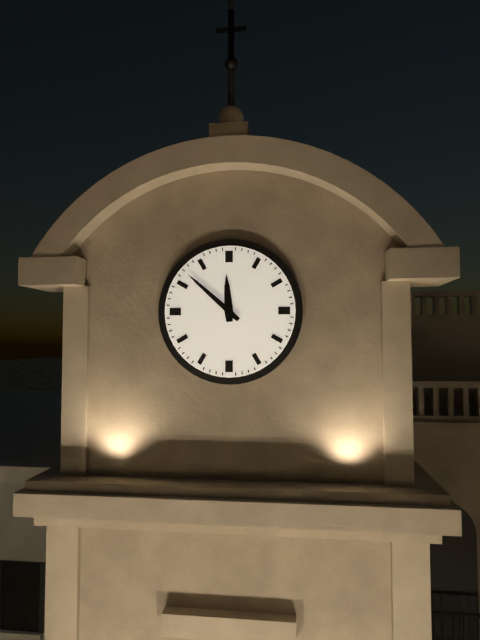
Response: 11:52
